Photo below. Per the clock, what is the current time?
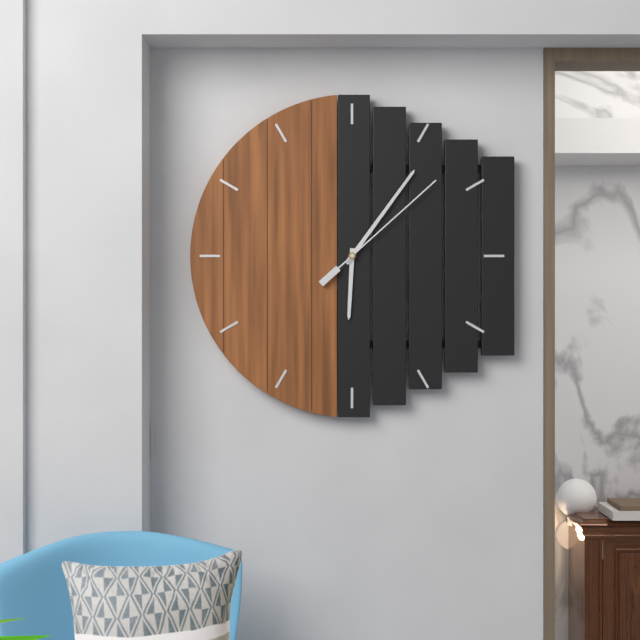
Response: 6:06:08
